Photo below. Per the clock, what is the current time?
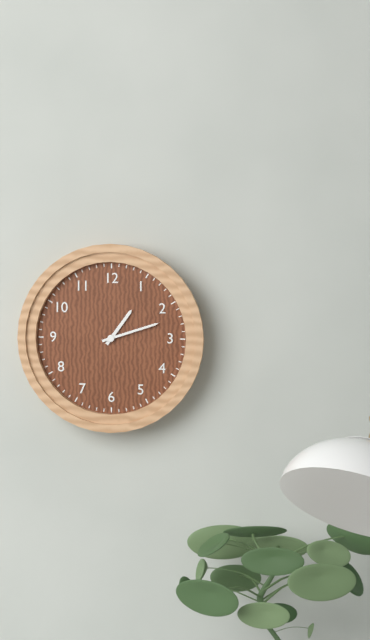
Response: 1:12
